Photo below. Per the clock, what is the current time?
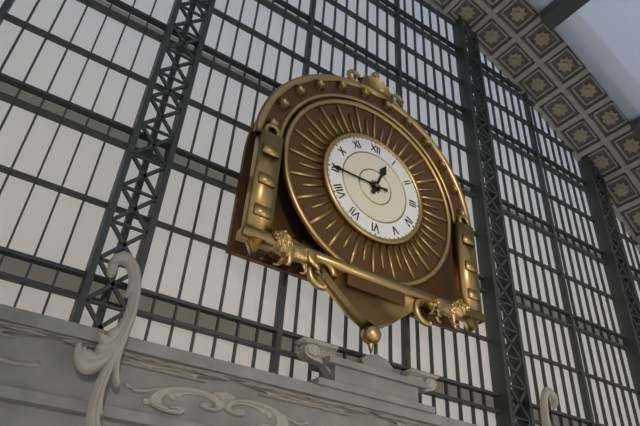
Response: 12:45
